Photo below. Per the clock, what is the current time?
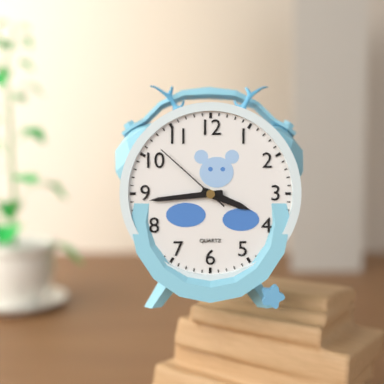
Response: 3:44:52
